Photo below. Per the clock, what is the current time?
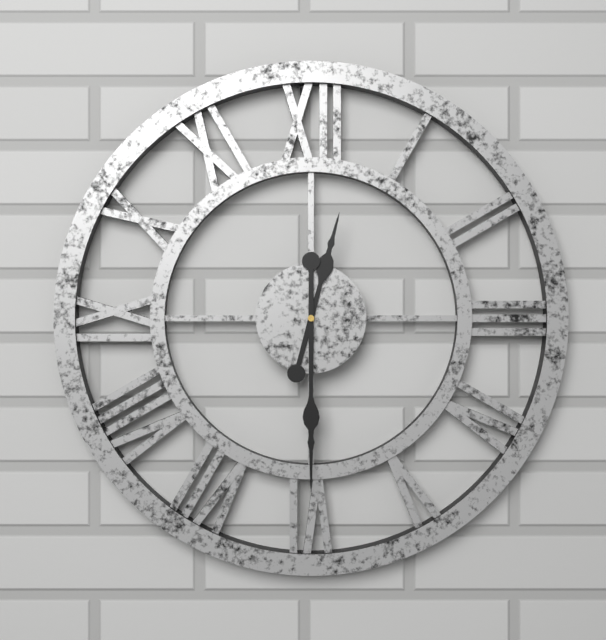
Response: 12:30
